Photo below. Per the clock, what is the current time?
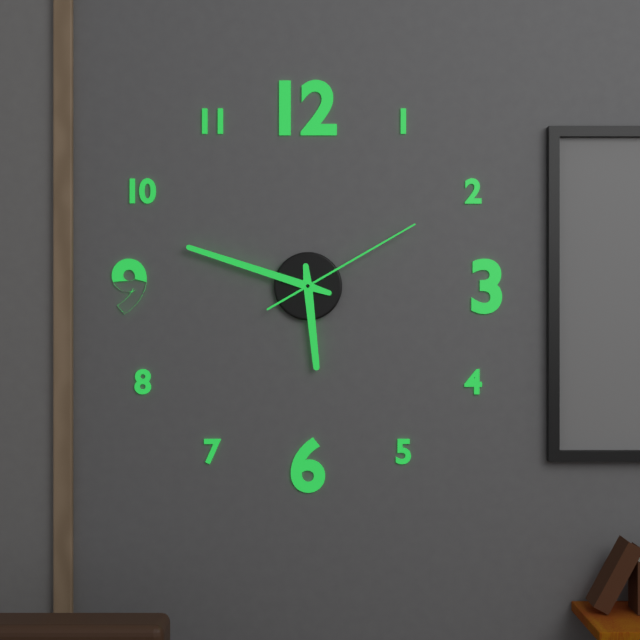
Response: 5:48:10
